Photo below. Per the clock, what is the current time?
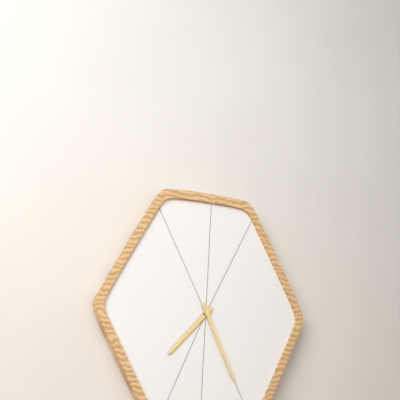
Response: 7:26
